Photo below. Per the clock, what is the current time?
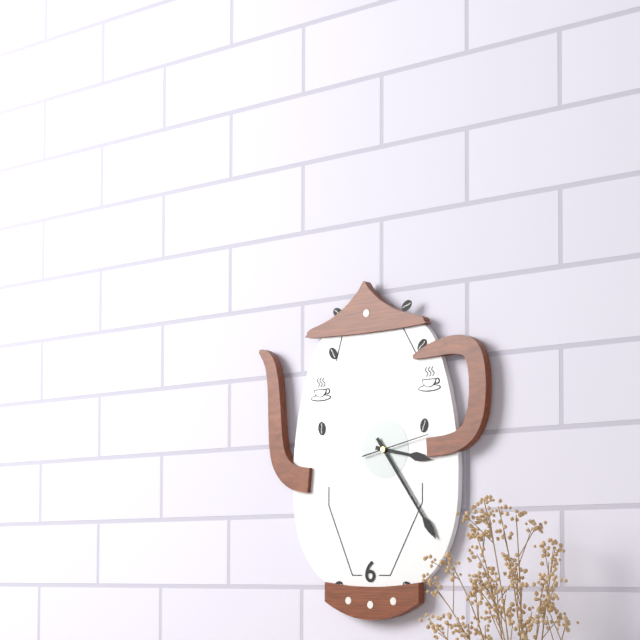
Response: 3:24:13
